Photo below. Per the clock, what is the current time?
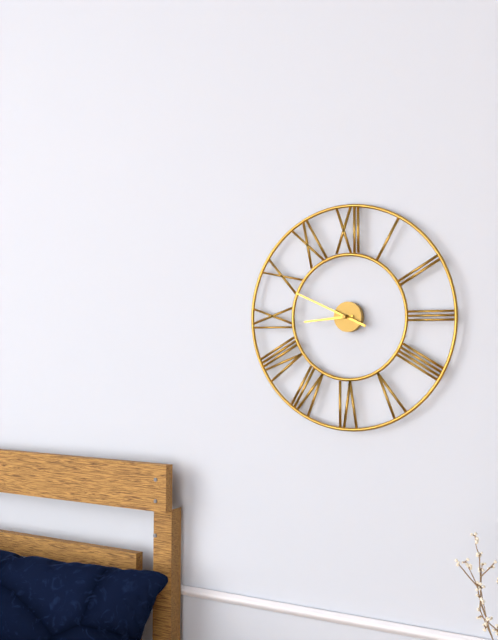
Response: 8:49
